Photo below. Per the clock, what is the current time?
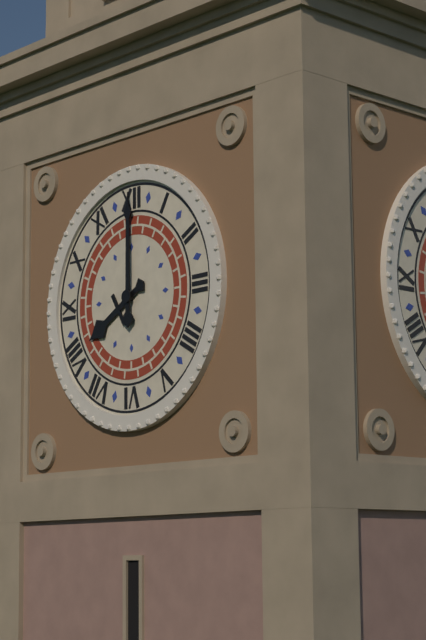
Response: 8:00
